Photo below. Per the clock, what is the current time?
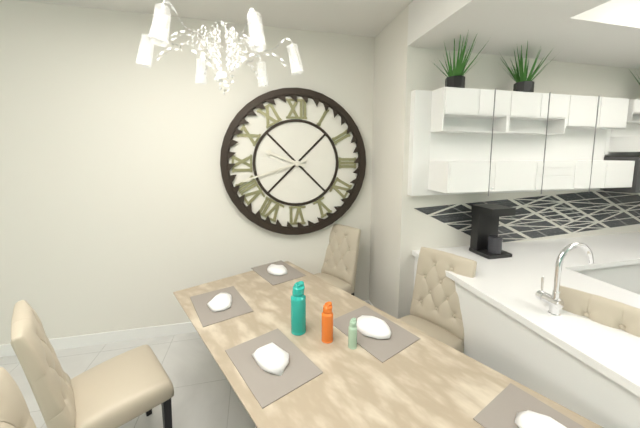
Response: 9:42
